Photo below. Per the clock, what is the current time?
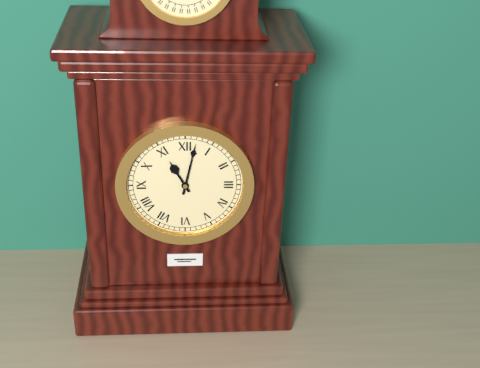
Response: 11:02
